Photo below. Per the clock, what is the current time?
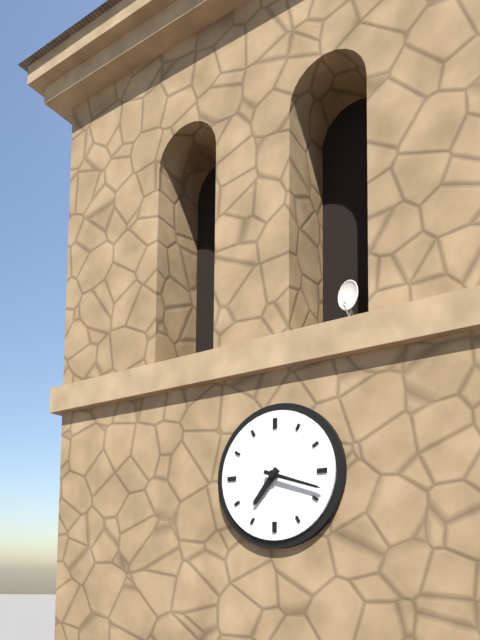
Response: 7:18
